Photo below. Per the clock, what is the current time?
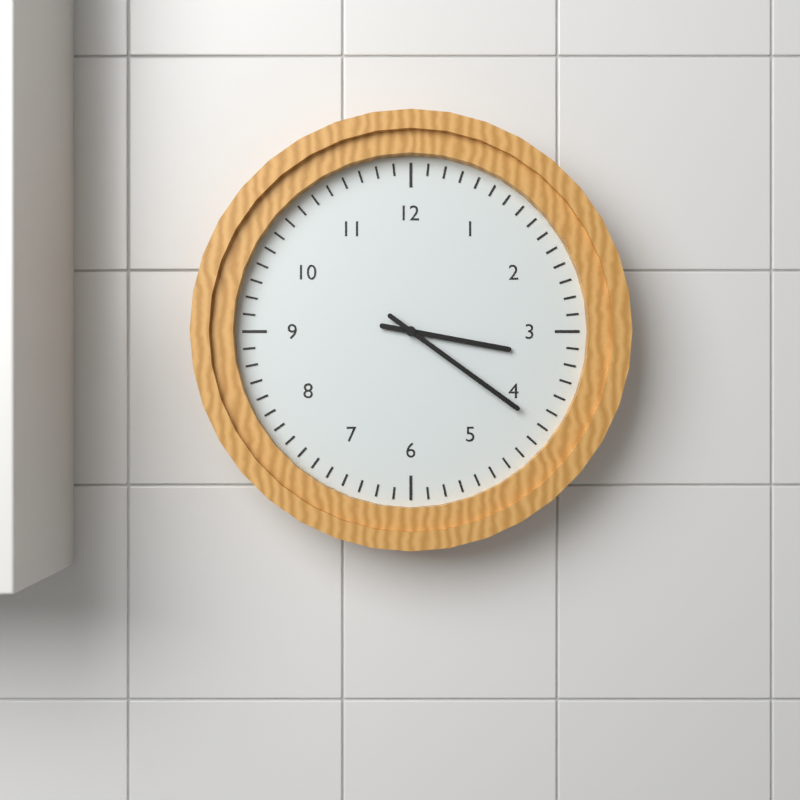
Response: 3:21
